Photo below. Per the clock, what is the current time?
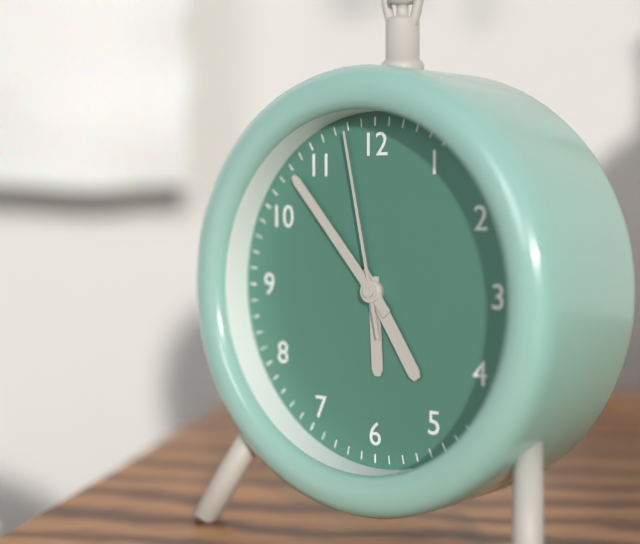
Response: 4:53:58
